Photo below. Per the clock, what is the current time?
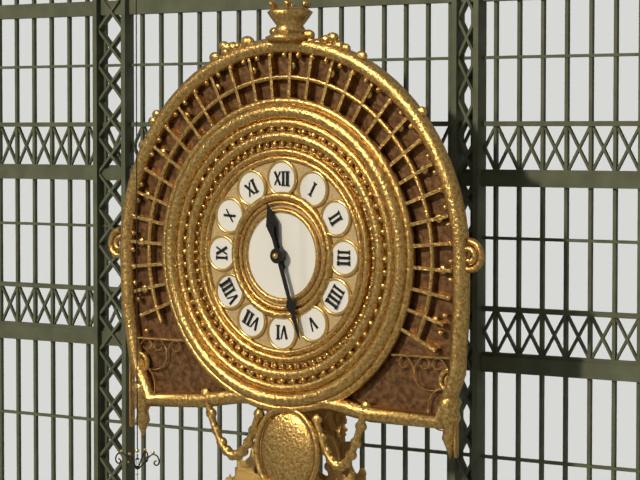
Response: 11:27
